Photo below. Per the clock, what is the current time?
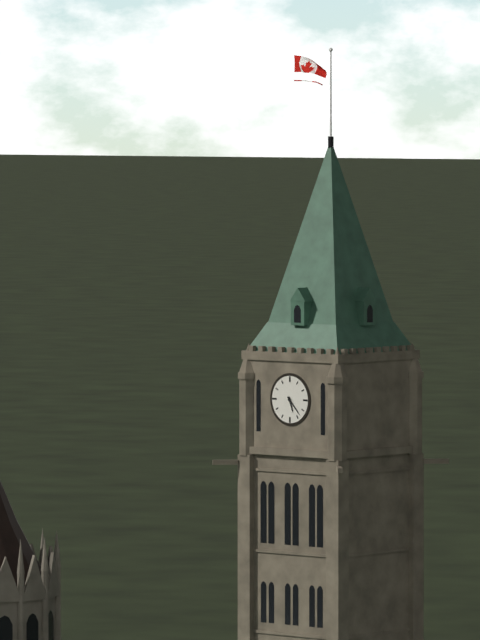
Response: 5:23
